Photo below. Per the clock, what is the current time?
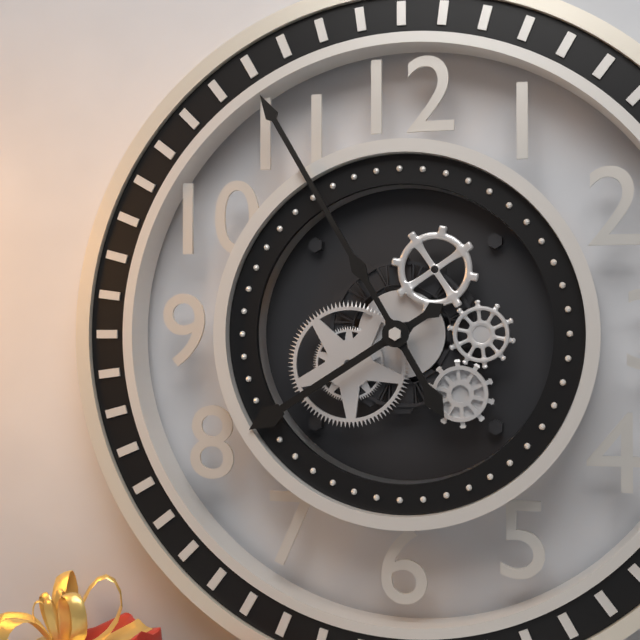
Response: 7:55
